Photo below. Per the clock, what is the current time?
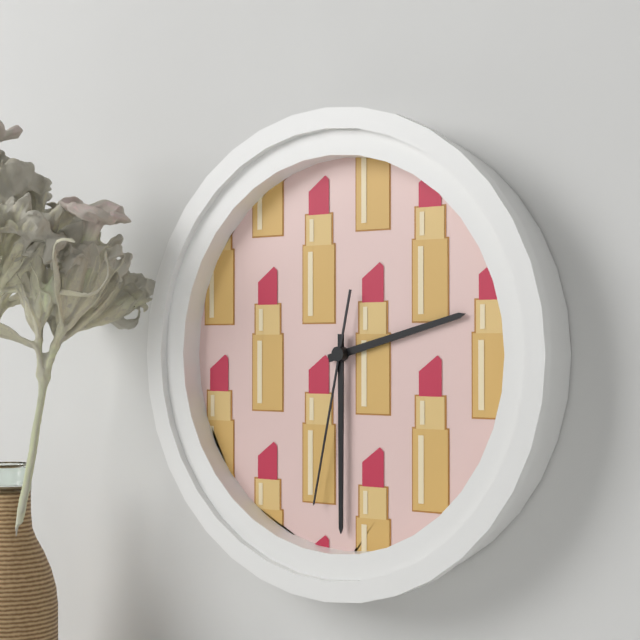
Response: 2:30:32
